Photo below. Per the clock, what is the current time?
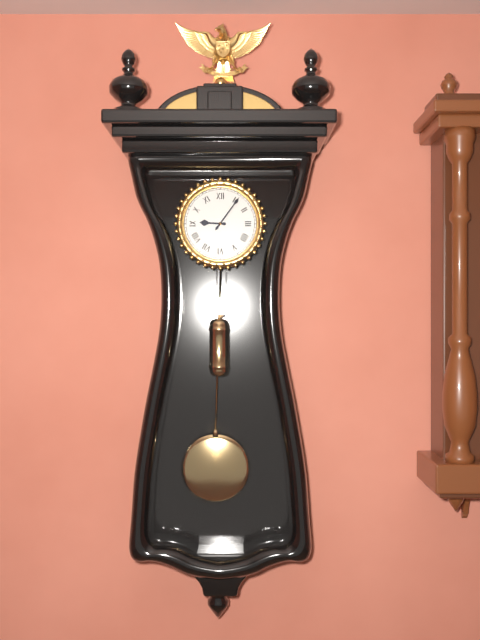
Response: 9:06
